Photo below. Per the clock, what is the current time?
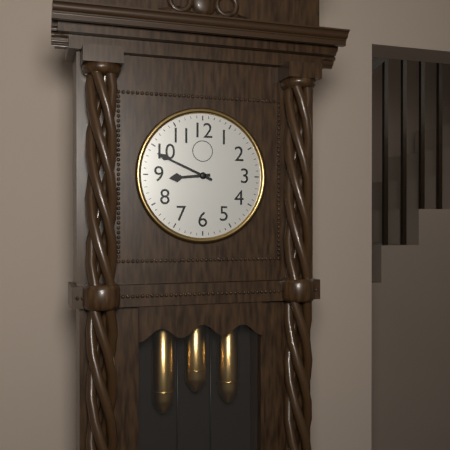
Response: 8:49
